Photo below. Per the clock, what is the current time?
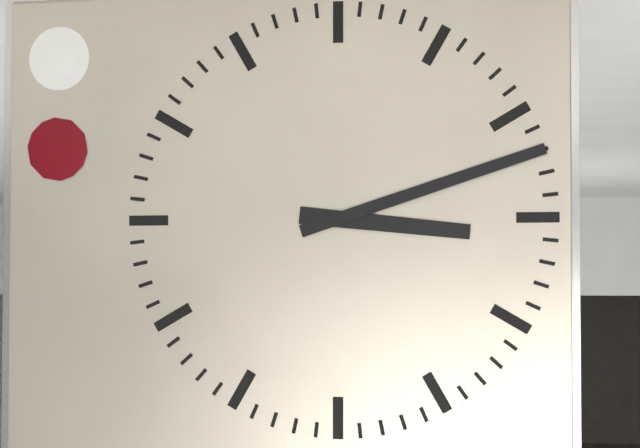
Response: 3:12
